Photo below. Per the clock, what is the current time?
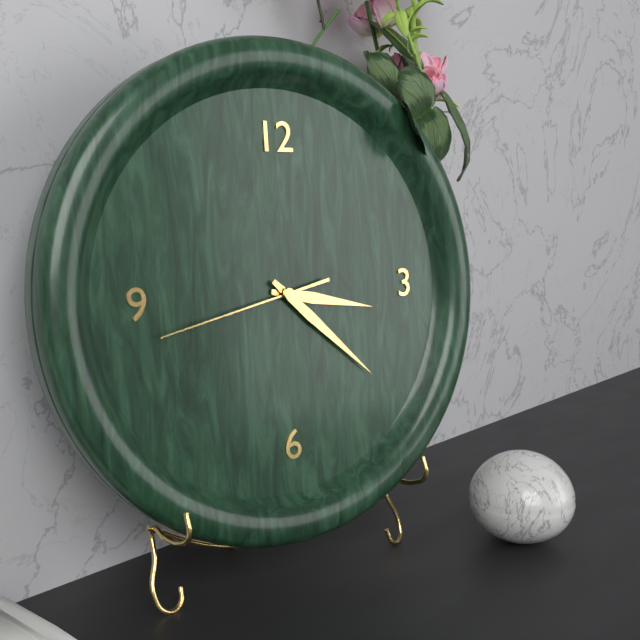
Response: 3:22:43
